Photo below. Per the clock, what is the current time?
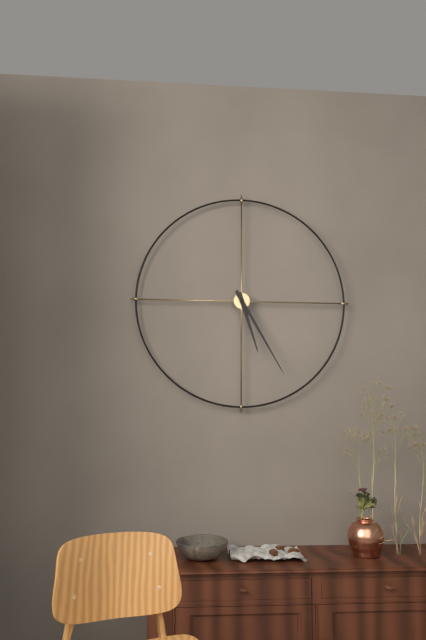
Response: 5:25
